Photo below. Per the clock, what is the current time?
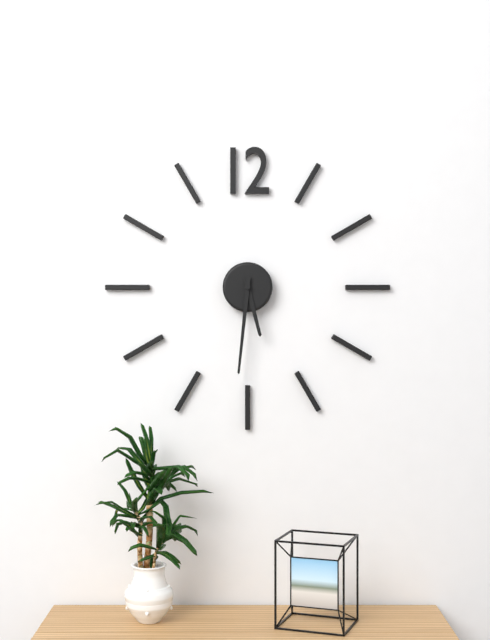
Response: 5:31
